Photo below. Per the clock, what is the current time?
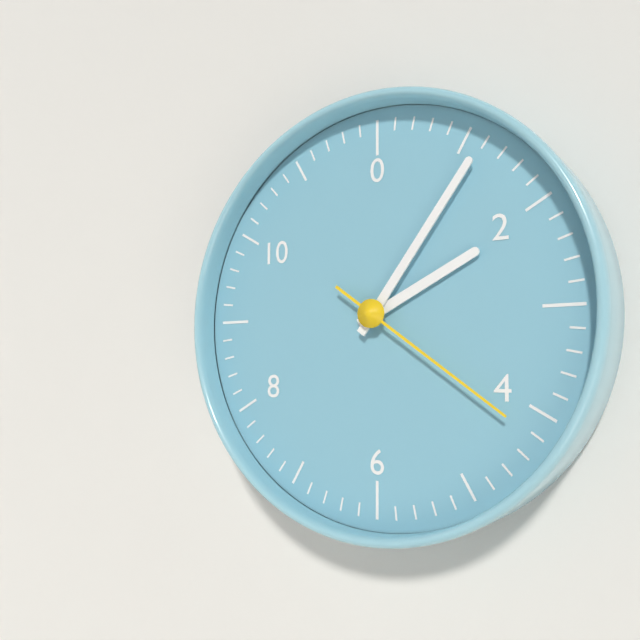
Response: 2:06:21
